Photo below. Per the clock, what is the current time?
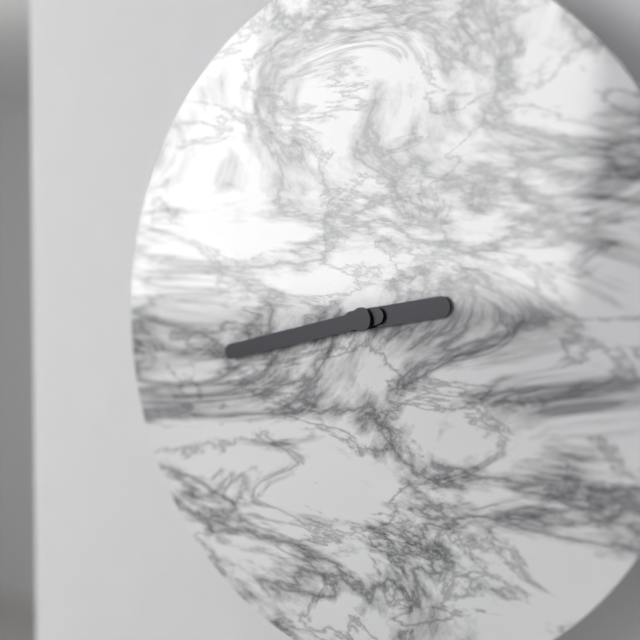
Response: 2:43
